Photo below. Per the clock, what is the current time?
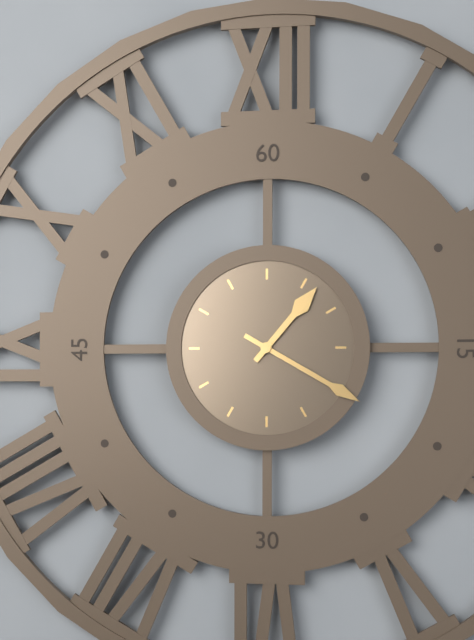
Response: 1:20
